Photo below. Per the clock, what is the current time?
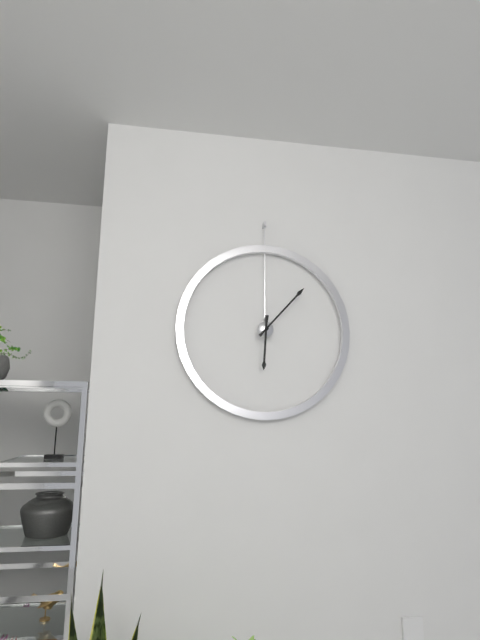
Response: 6:07
